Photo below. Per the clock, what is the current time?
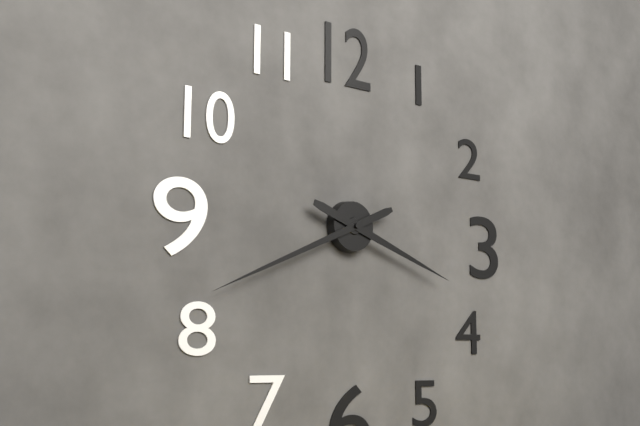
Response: 3:41
